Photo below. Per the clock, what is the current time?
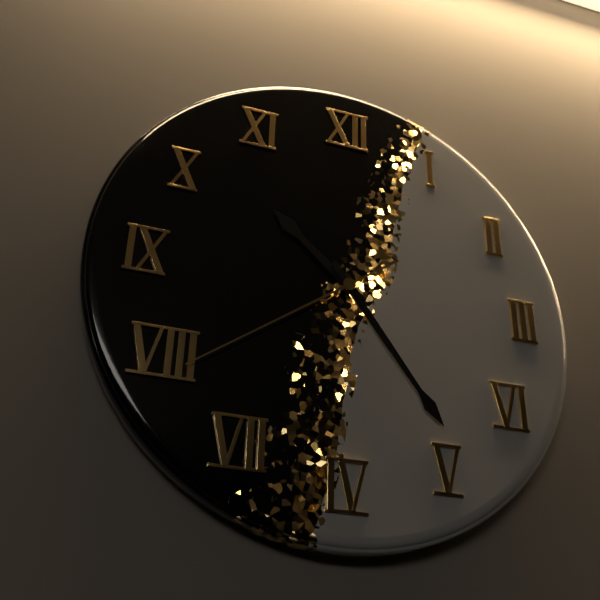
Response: 10:24:39
